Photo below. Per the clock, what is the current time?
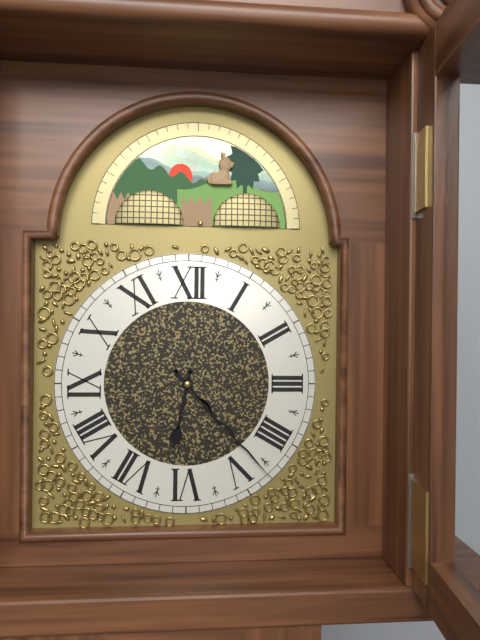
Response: 6:23
